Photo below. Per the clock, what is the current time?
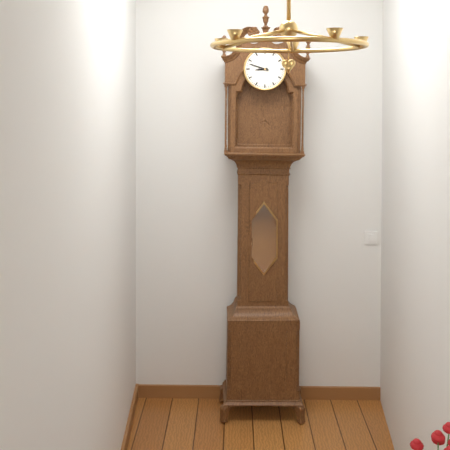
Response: 8:48
